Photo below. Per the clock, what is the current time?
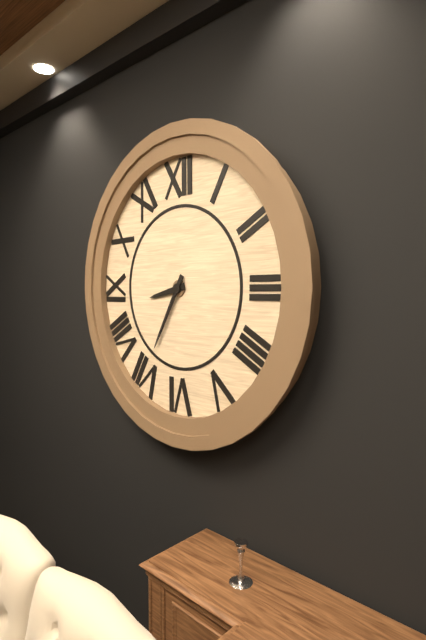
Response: 8:35
